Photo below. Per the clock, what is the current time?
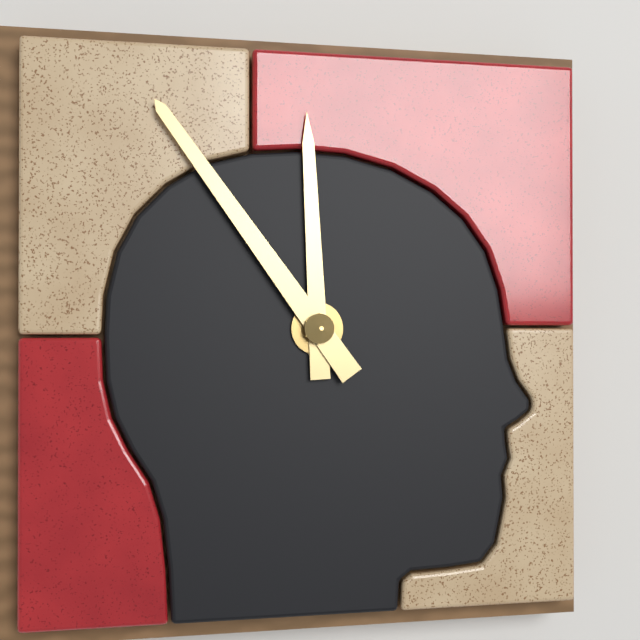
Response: 11:54
